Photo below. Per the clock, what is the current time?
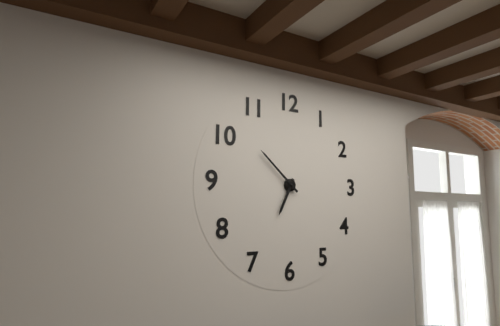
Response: 6:52
